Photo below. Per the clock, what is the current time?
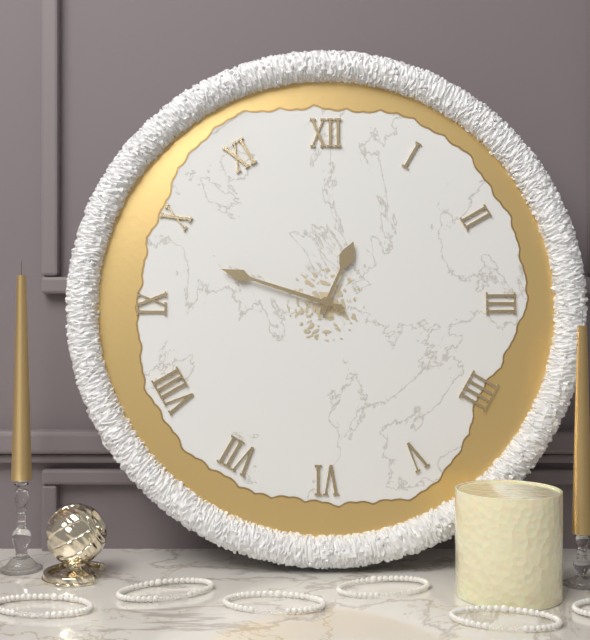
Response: 12:48
